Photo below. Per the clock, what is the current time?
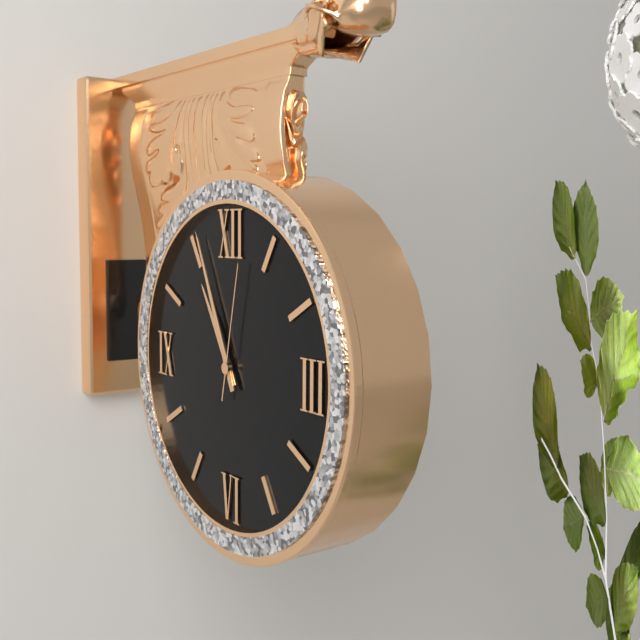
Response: 10:56:02
